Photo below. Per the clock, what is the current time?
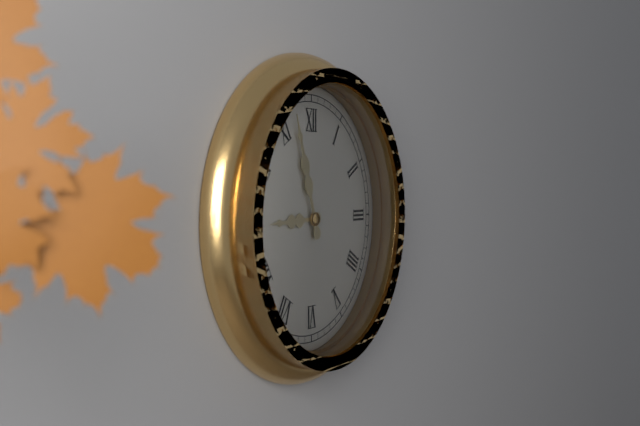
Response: 8:57
